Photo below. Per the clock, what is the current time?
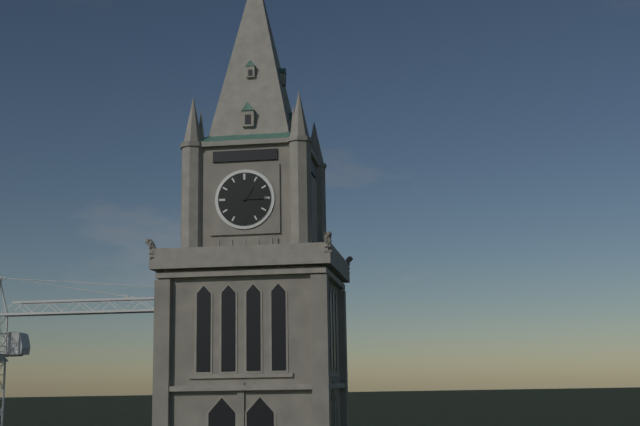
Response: 1:15
